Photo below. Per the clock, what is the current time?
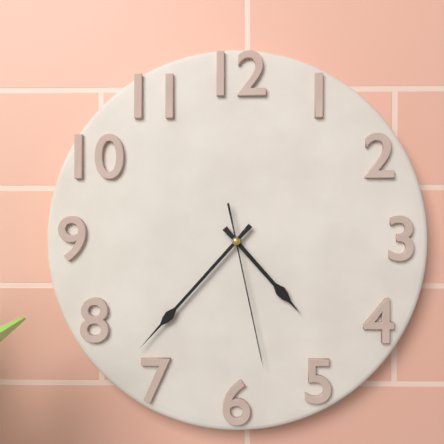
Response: 4:37:28
